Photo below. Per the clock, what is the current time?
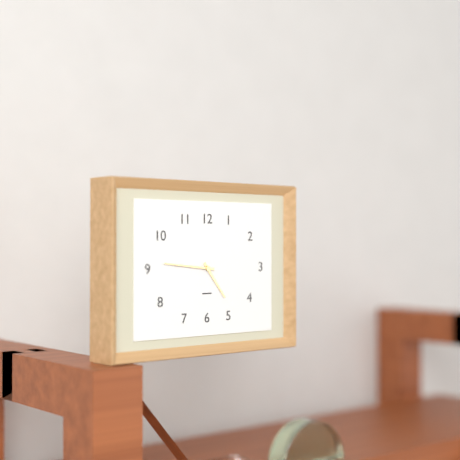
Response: 4:46
